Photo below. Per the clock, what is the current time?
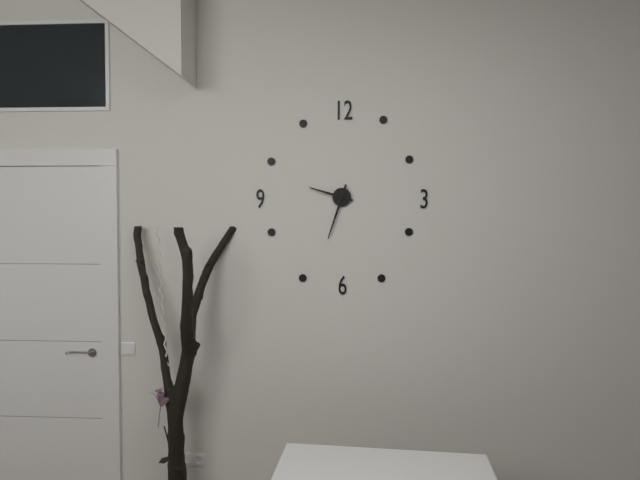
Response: 9:33
